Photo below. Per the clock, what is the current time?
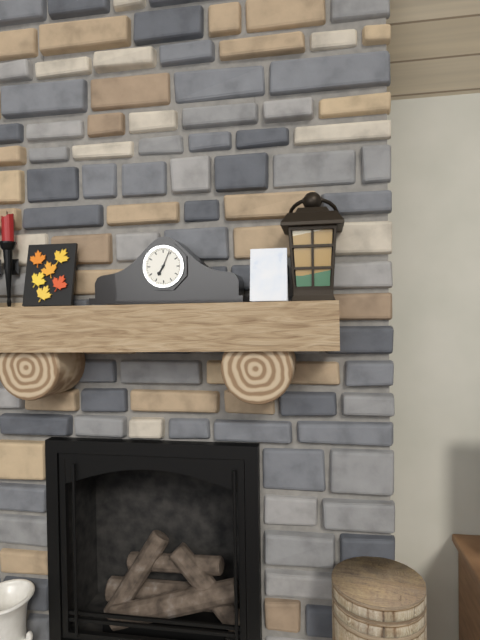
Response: 7:04
